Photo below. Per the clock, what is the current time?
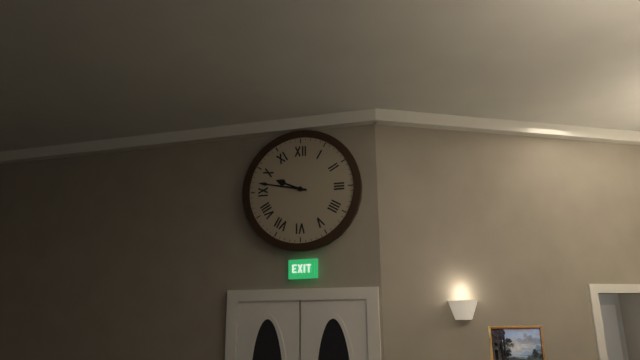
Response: 9:47
